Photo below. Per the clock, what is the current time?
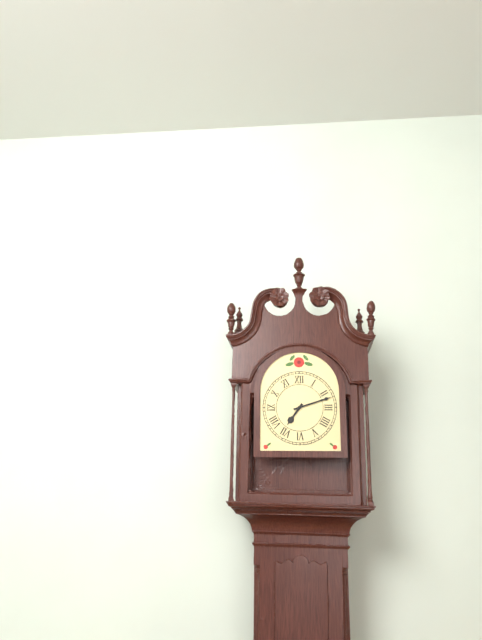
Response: 7:12
